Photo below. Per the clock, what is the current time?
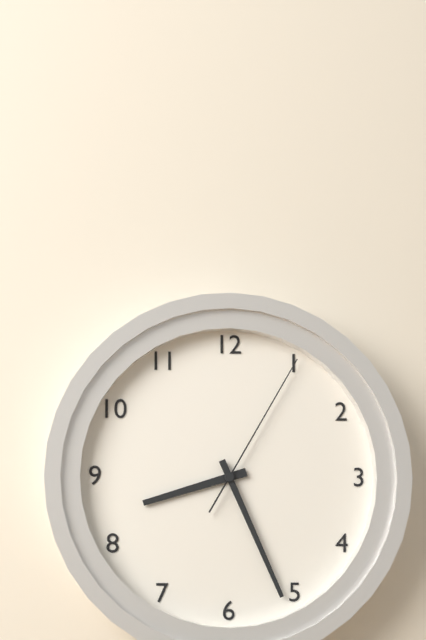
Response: 8:26:05
